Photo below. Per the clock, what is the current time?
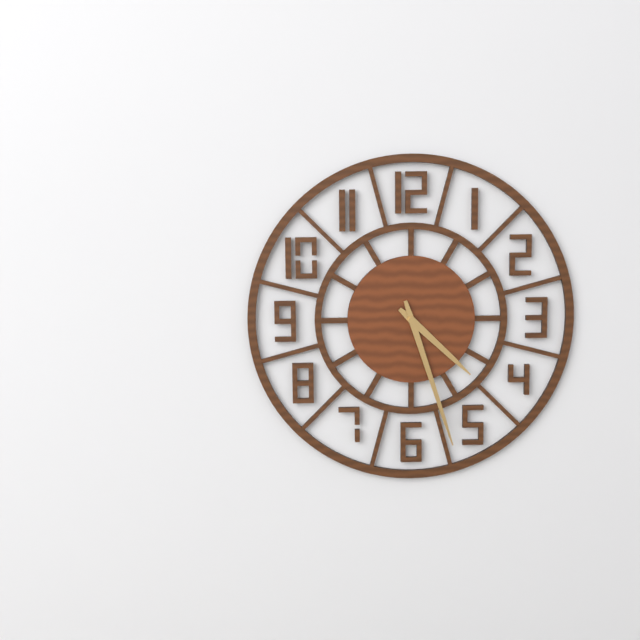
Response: 4:27
